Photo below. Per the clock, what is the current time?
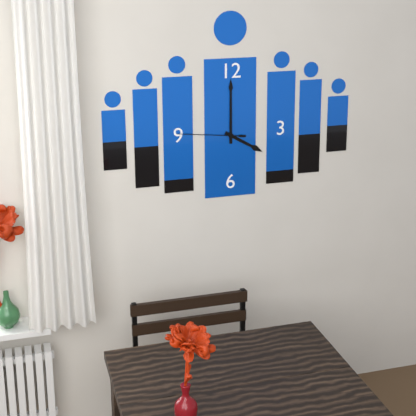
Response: 4:00:46
